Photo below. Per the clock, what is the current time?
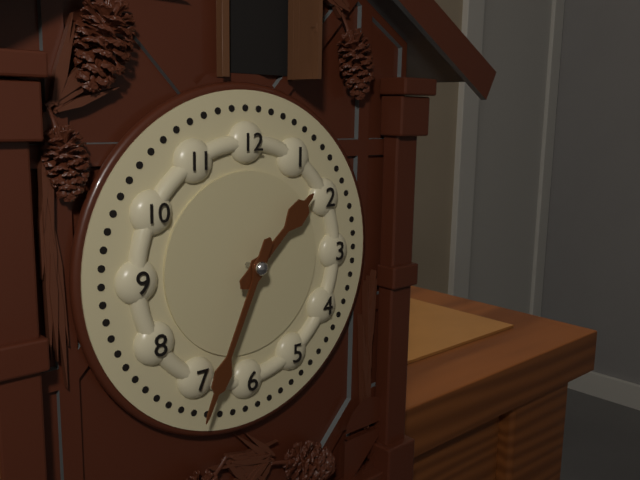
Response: 1:34
